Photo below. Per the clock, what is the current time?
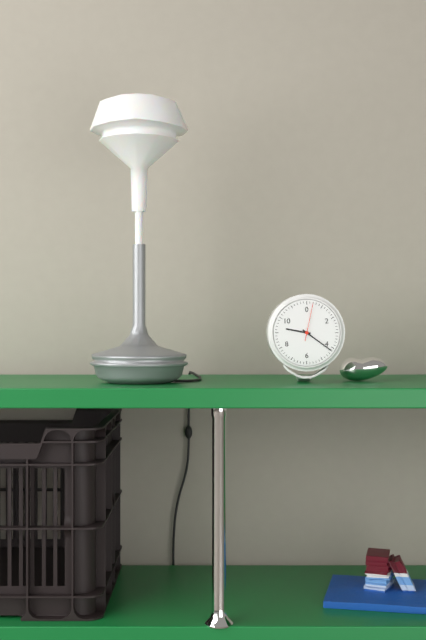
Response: 9:21
